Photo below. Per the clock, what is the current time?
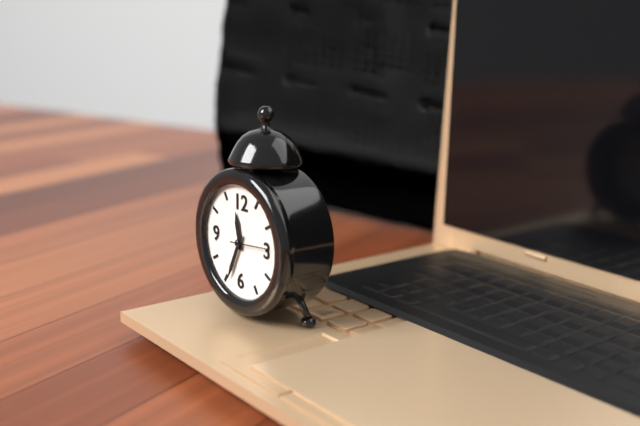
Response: 11:34
